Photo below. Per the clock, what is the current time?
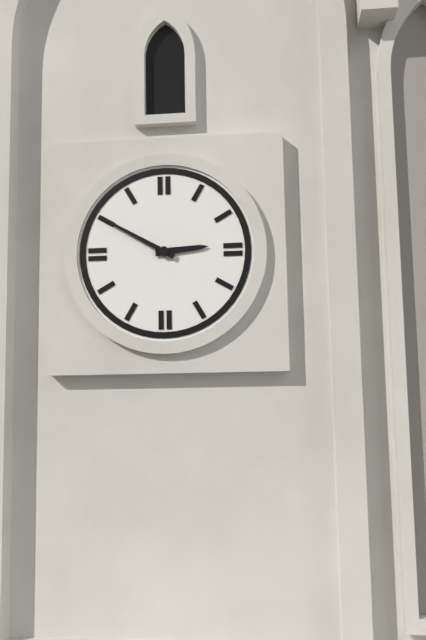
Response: 2:50
